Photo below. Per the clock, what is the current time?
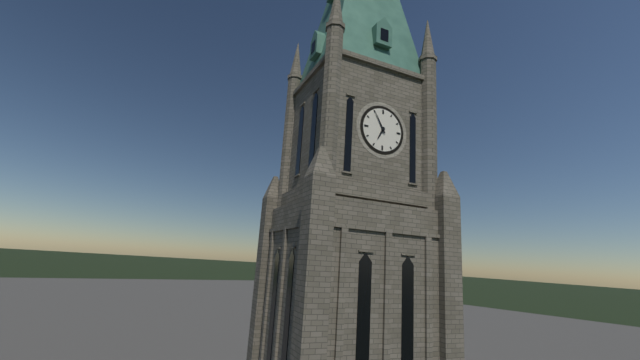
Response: 6:55
